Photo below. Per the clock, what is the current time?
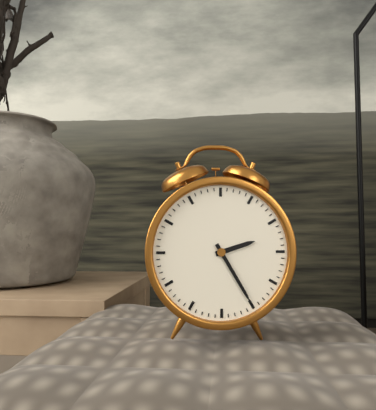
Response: 2:25
